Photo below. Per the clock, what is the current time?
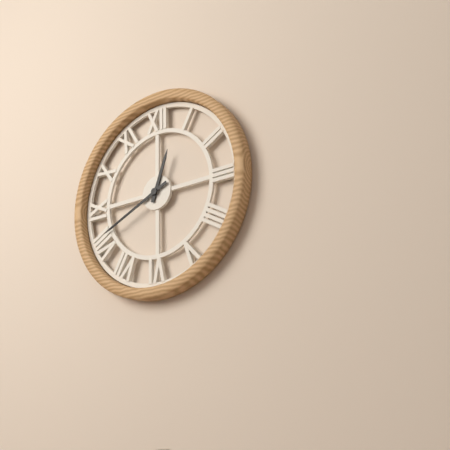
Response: 12:41
